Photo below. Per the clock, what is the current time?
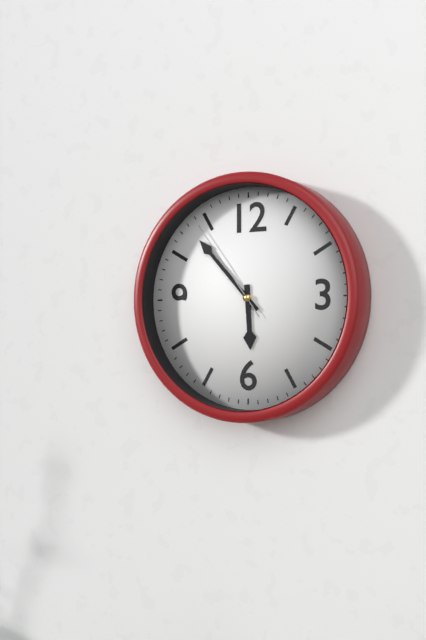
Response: 5:53:54
